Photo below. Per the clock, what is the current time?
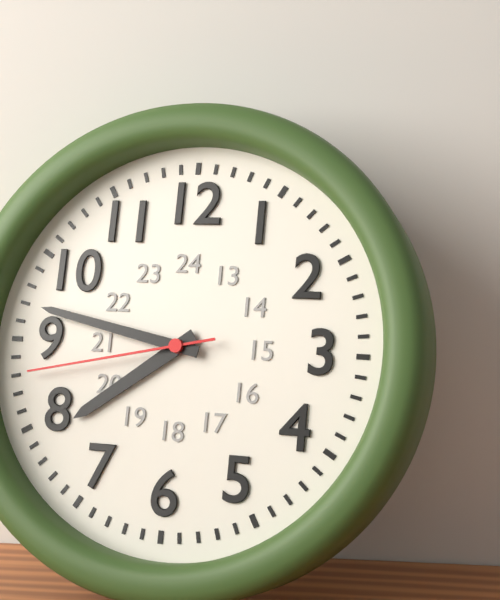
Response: 7:47:43
